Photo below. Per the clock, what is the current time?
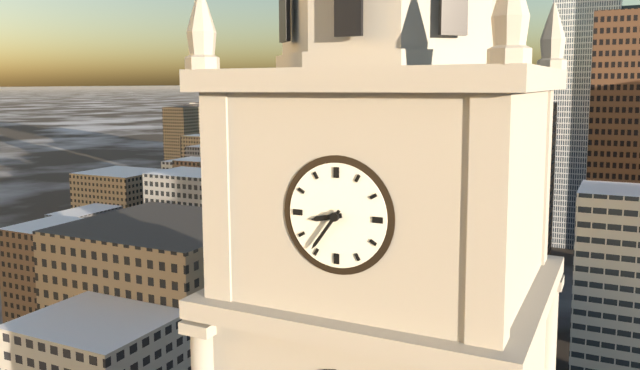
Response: 8:36
